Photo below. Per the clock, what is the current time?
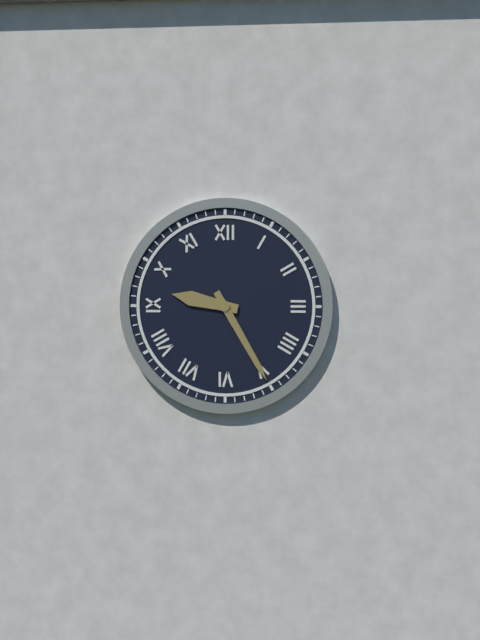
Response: 9:25
